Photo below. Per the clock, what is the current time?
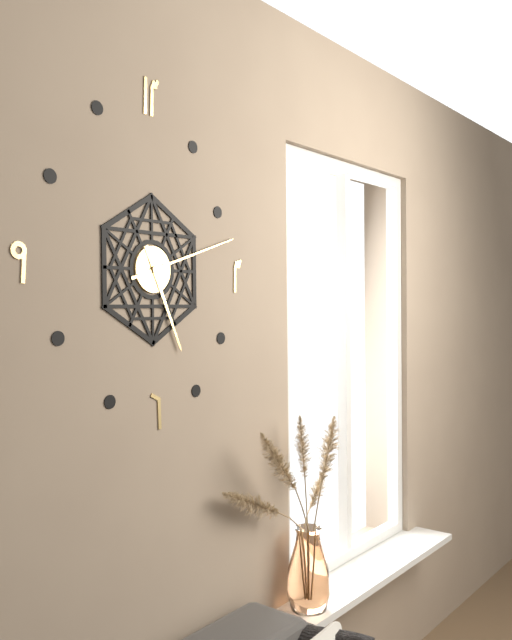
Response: 5:12
